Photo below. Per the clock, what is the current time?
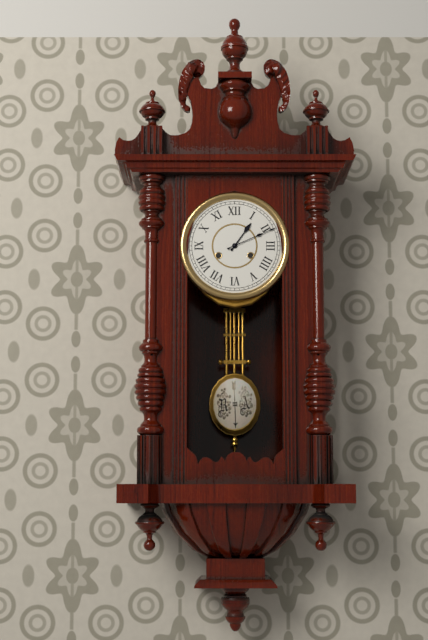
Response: 1:11
